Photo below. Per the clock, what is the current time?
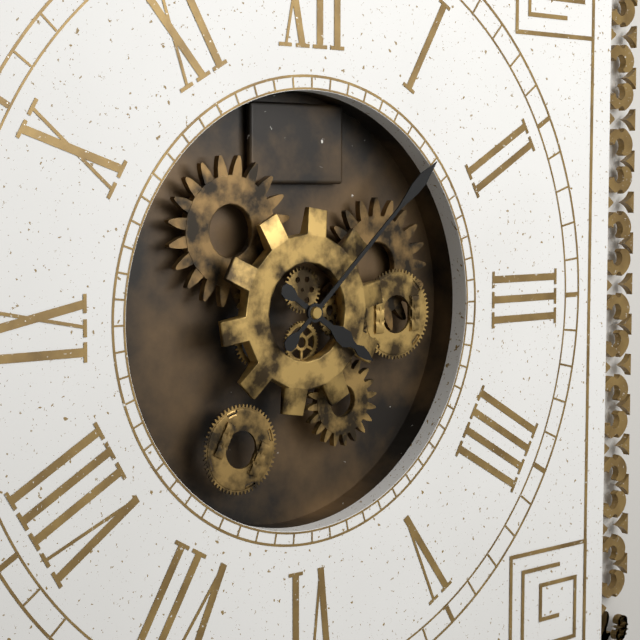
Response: 4:08
